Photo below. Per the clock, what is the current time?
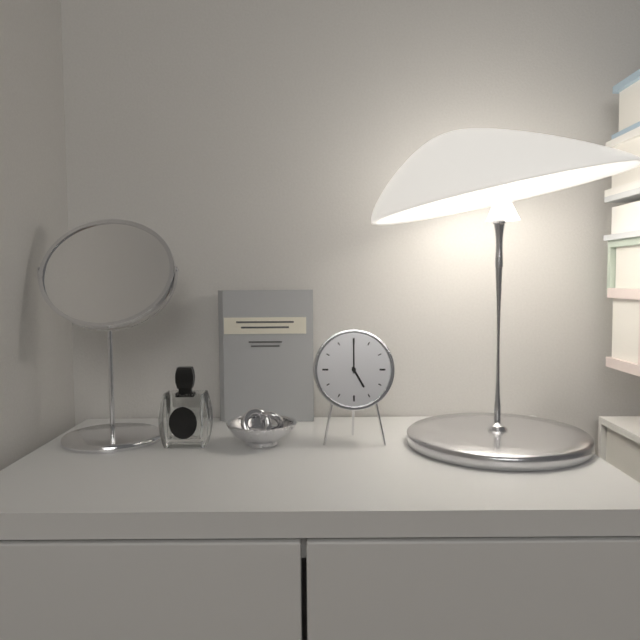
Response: 5:00
